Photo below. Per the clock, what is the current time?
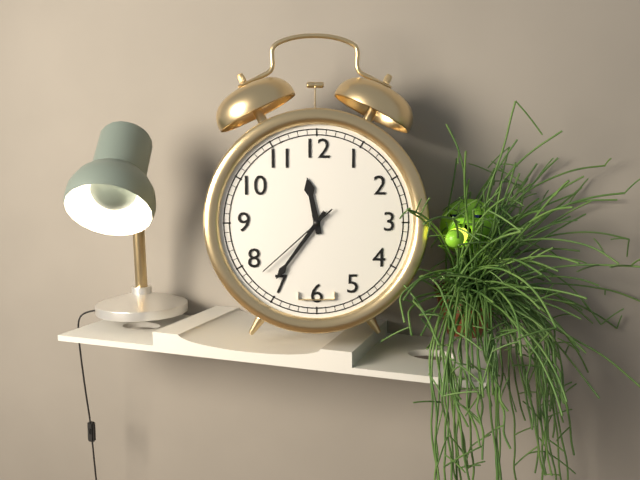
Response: 11:36:38
